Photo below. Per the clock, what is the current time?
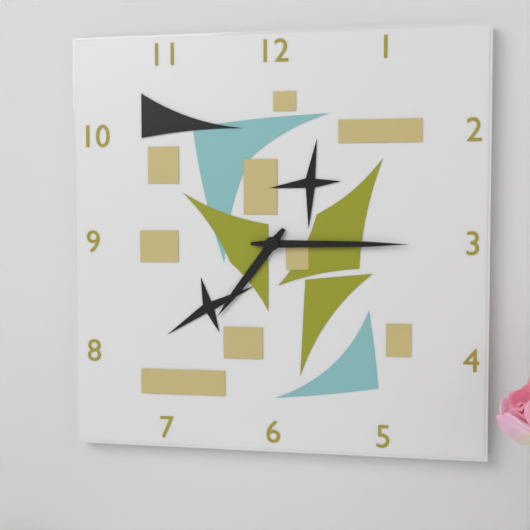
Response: 7:15
